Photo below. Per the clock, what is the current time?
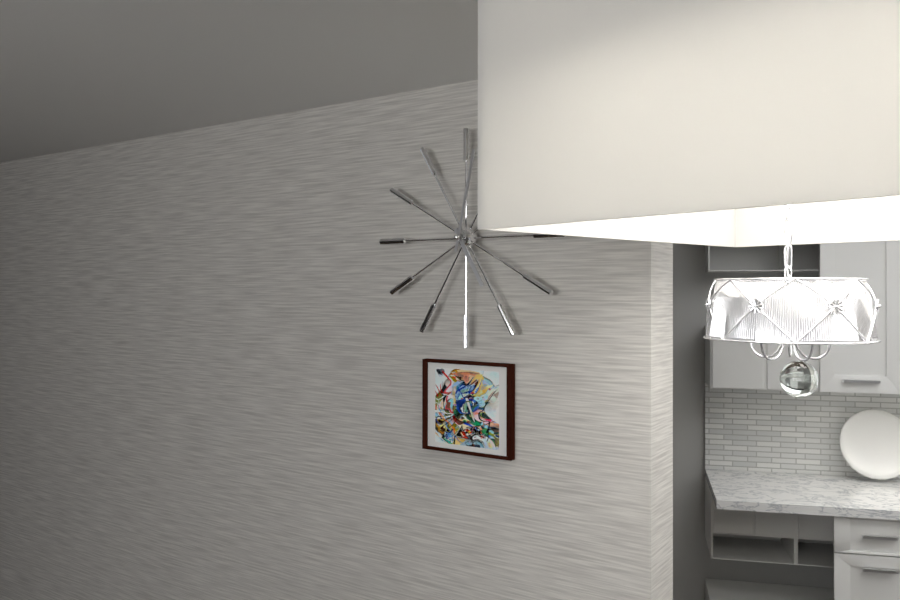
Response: 5:02
